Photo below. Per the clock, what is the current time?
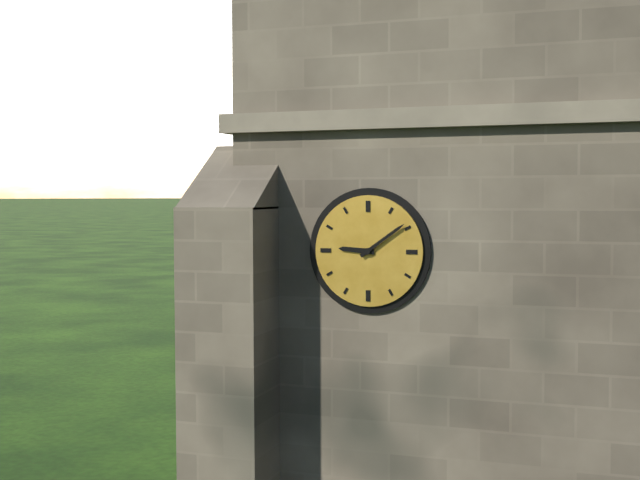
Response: 9:09
